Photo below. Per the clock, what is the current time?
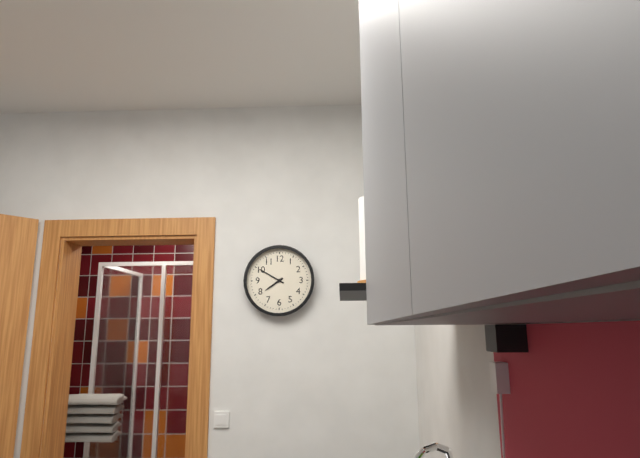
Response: 7:50
